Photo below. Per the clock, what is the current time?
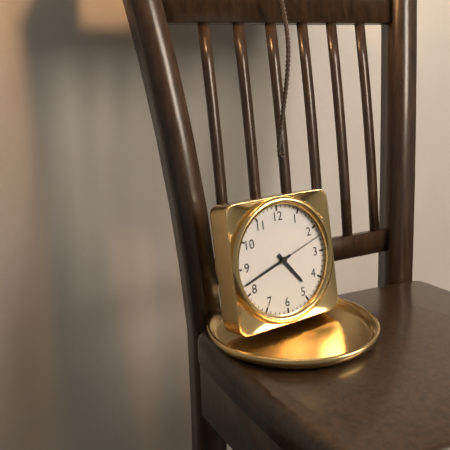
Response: 4:42:12
